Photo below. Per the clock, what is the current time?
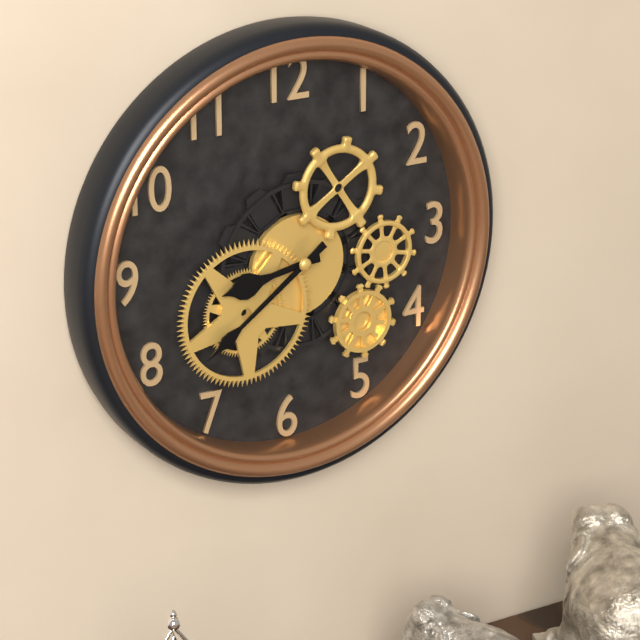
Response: 8:39
